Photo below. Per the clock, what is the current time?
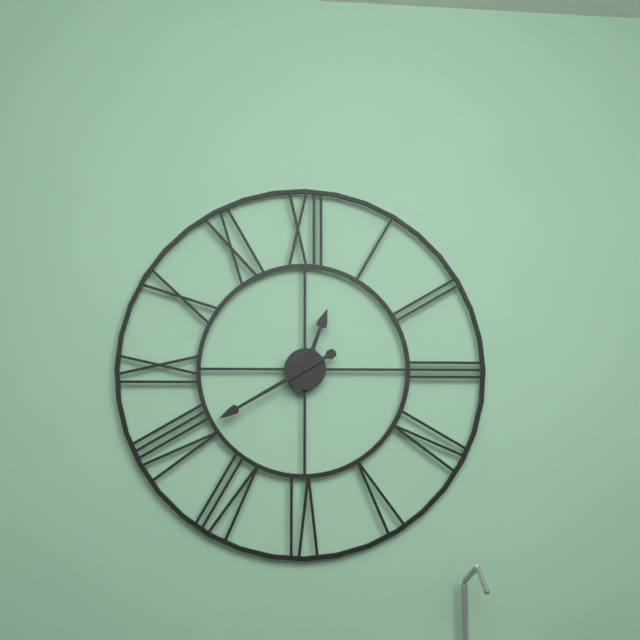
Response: 12:40
